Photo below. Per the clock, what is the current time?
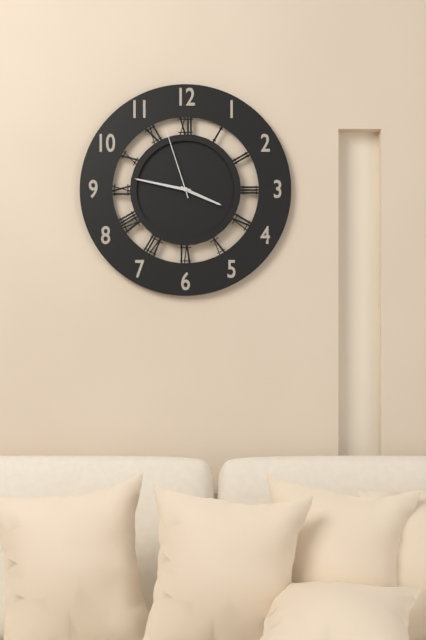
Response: 3:47:57
